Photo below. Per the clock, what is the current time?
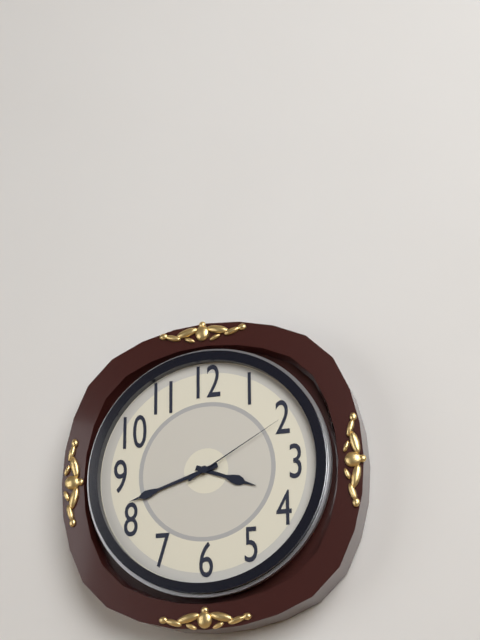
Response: 3:42:10
